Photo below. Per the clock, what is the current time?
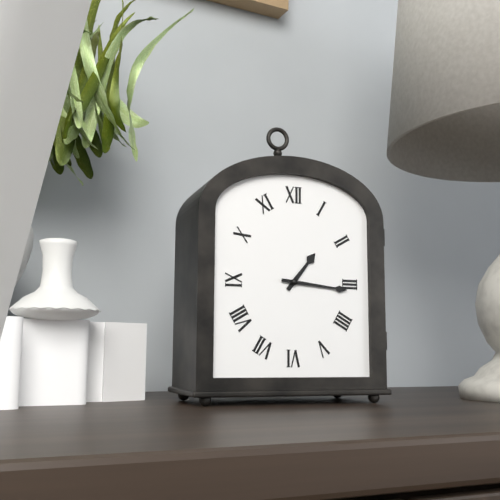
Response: 1:16
